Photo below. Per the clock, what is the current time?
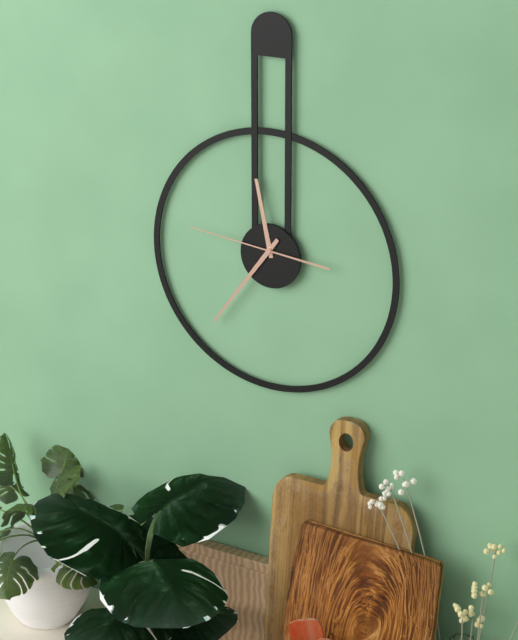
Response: 11:36:46
